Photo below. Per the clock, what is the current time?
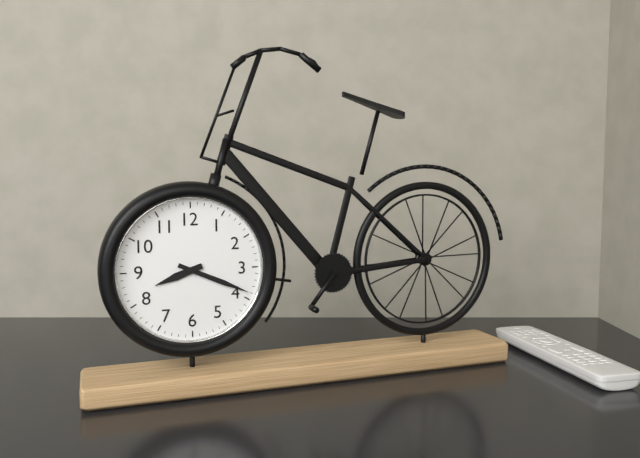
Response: 8:19
